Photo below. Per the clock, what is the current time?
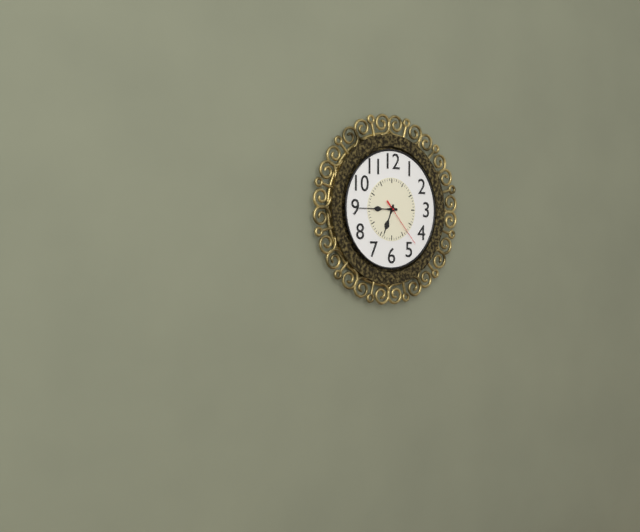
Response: 6:45:23
